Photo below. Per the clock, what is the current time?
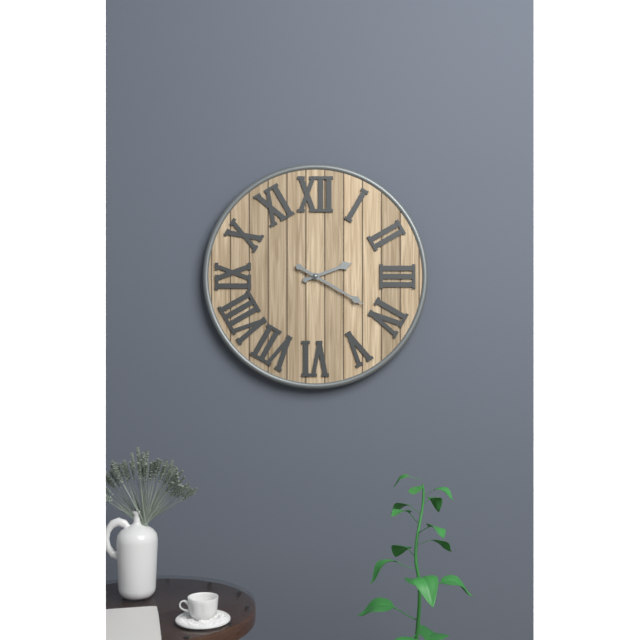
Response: 2:20
